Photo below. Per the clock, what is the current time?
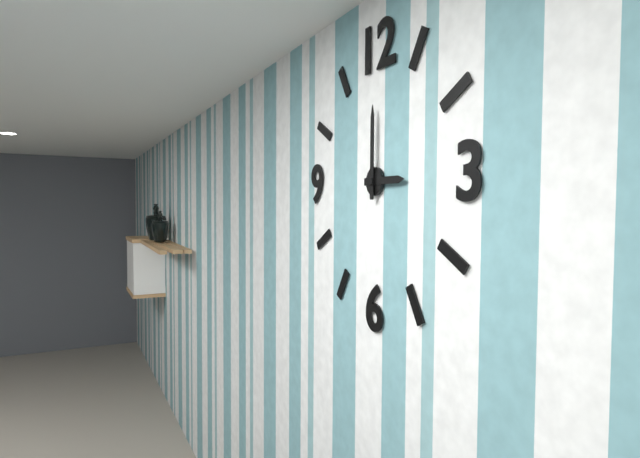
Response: 3:00
